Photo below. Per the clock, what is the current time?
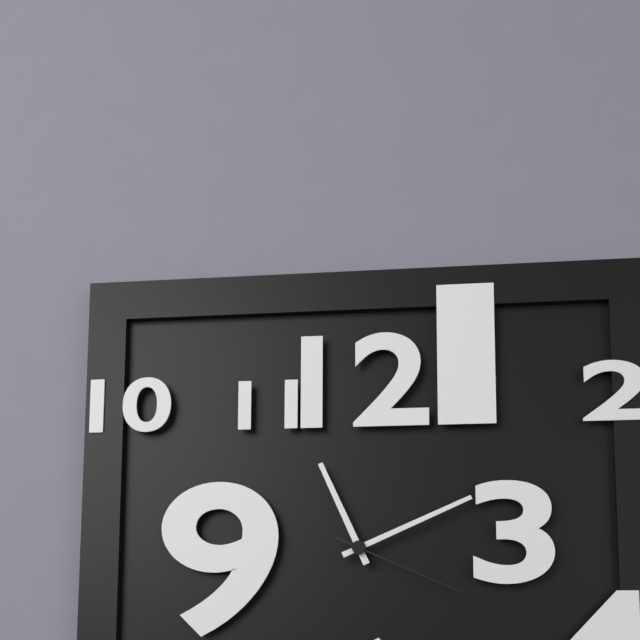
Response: 11:11:19
